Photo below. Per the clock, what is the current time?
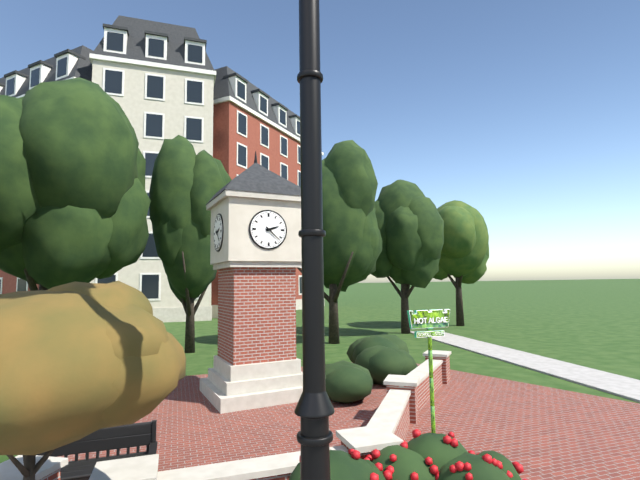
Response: 2:22
